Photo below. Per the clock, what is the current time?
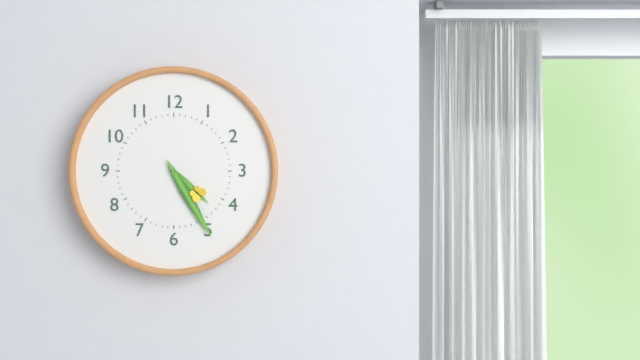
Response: 4:25
